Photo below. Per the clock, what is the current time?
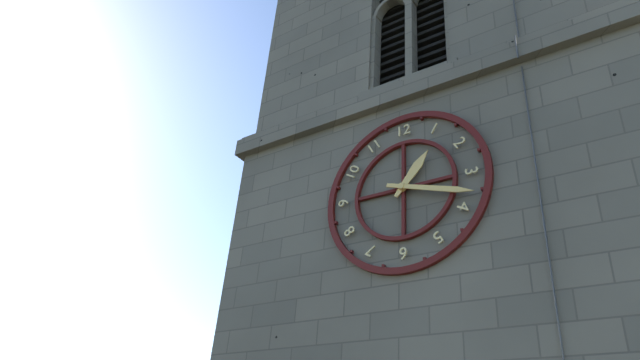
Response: 1:18
